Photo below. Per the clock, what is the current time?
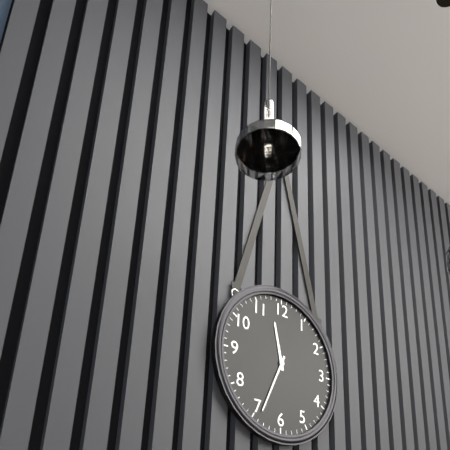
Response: 11:34
